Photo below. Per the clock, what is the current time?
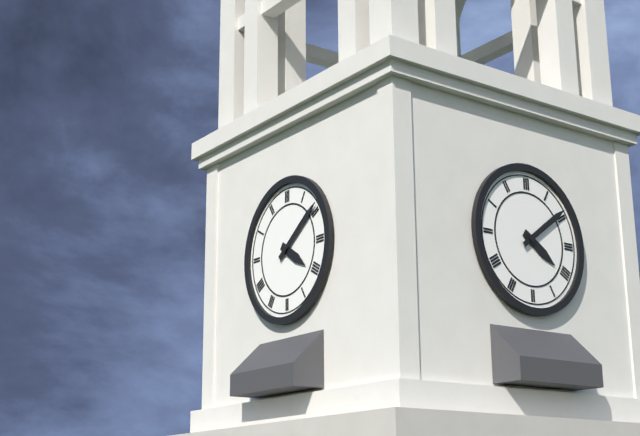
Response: 4:09
